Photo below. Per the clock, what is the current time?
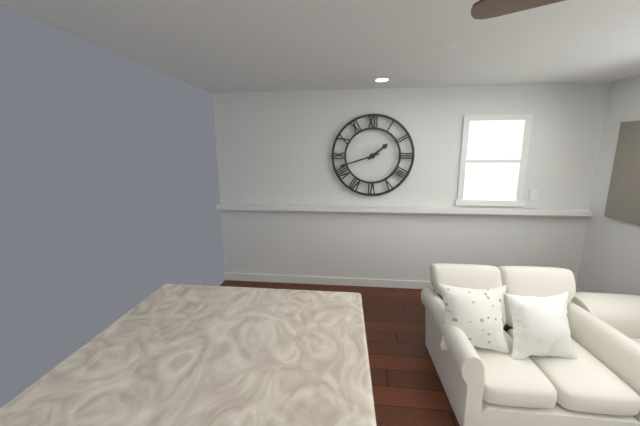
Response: 1:42
